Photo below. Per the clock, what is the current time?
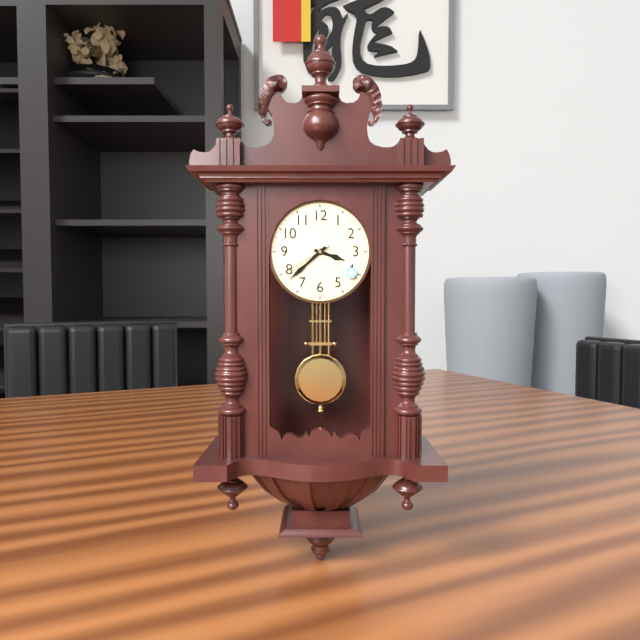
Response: 3:38:40
